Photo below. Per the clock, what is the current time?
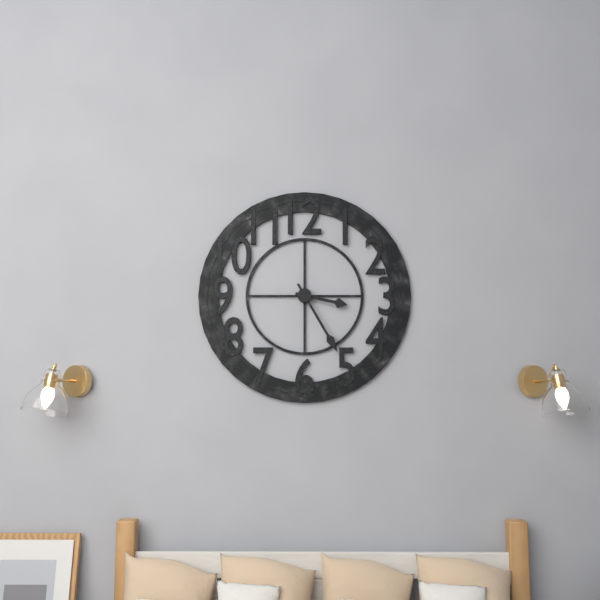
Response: 3:25
